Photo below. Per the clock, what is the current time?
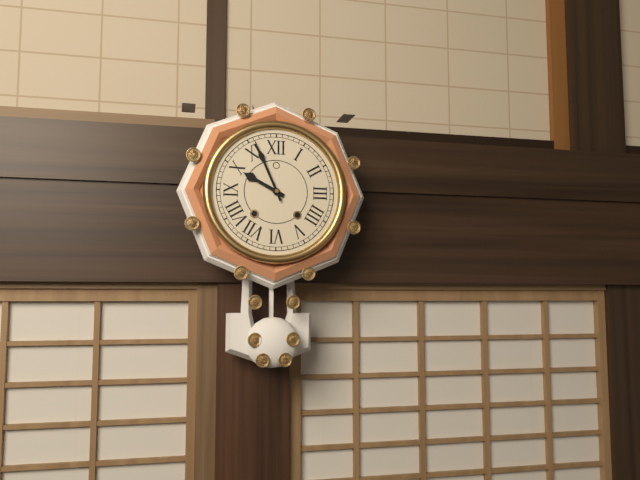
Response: 9:56
